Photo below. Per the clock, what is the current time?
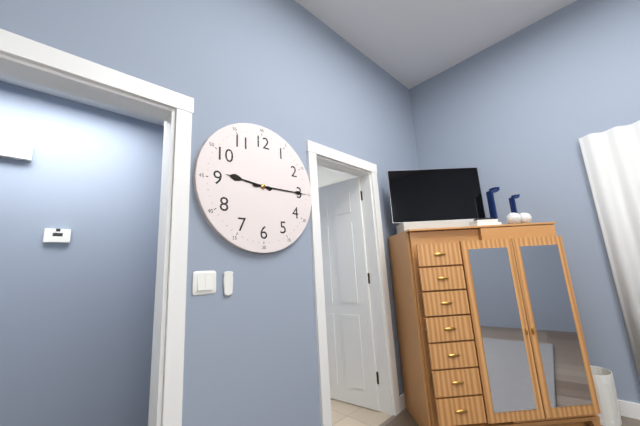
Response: 9:15
